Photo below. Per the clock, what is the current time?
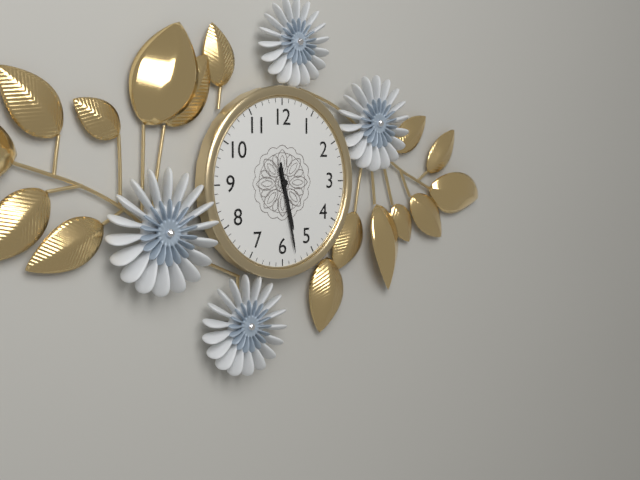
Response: 5:28
